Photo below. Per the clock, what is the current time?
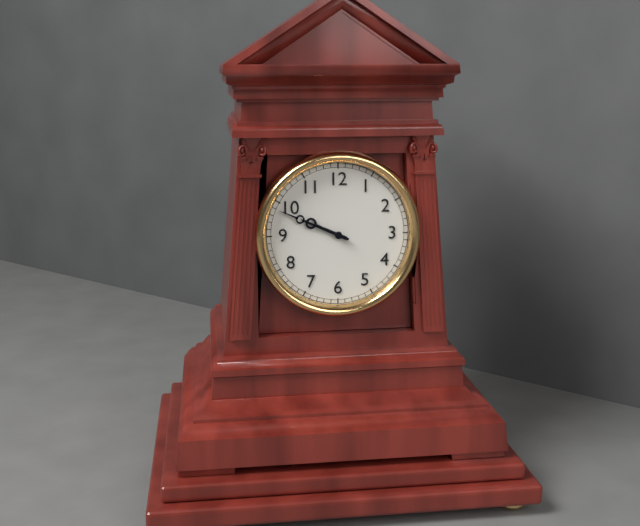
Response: 9:49
